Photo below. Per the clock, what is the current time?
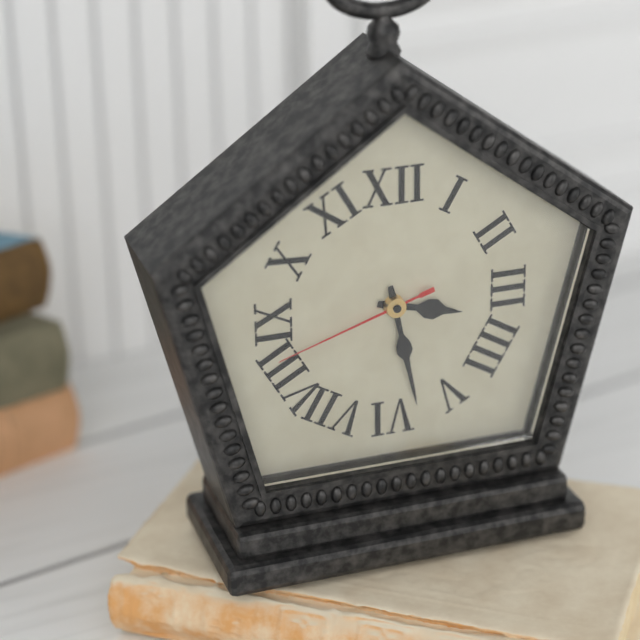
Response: 3:28:42
